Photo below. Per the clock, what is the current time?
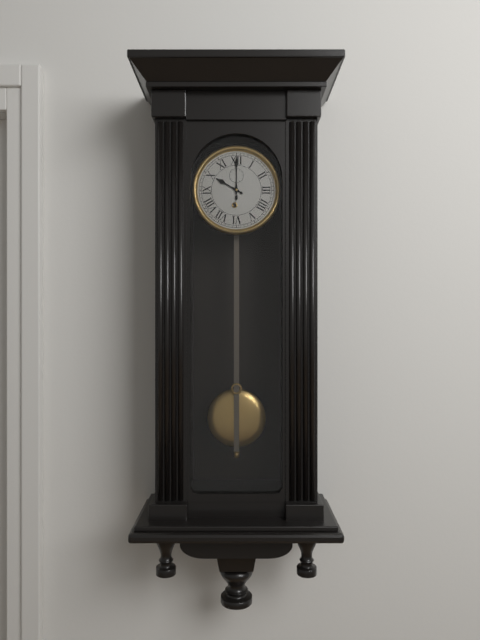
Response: 10:00
